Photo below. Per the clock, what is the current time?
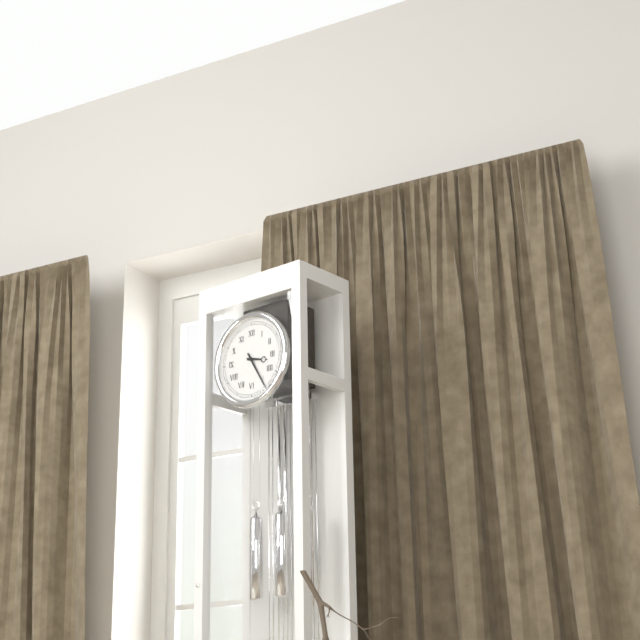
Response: 3:25
